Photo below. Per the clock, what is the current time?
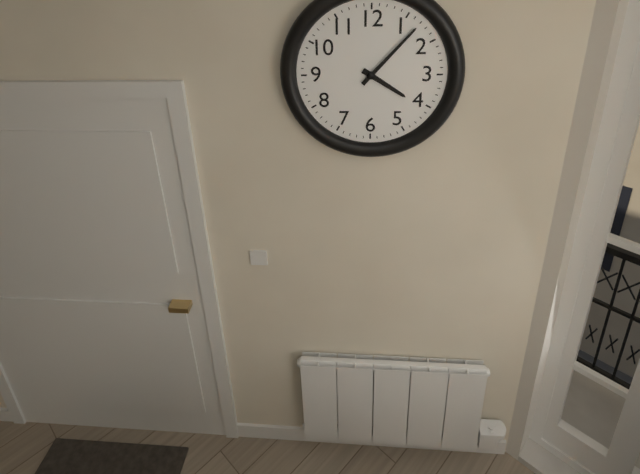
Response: 4:07
